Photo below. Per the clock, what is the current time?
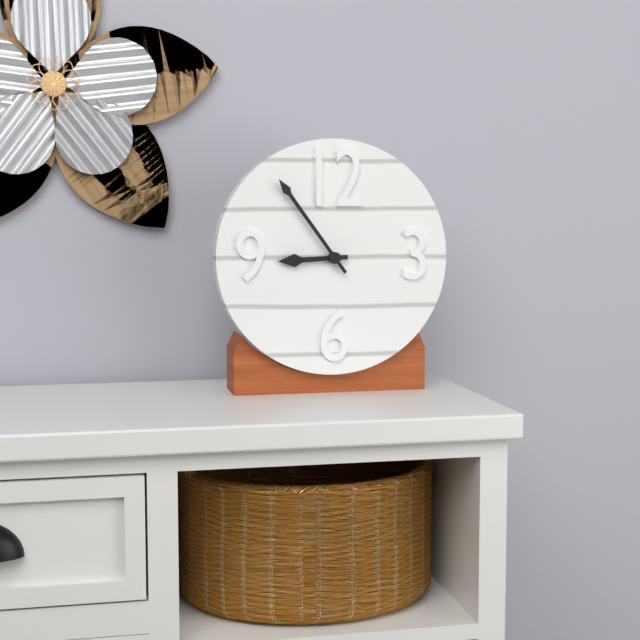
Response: 8:54
